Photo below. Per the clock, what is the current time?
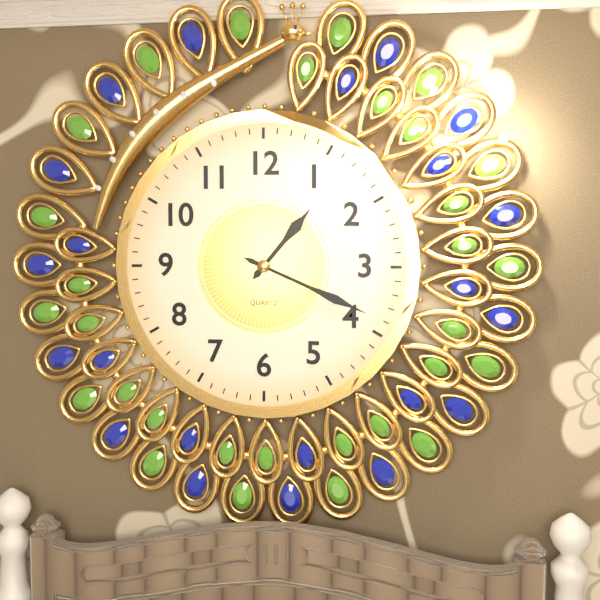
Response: 1:19
